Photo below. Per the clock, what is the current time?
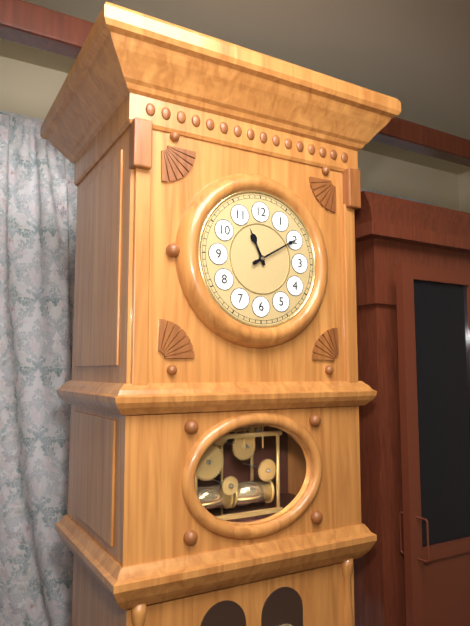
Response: 11:10
